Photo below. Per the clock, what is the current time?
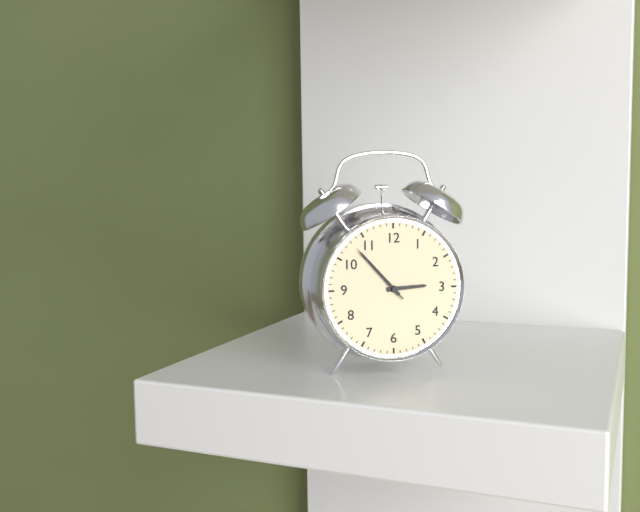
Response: 2:53:53
